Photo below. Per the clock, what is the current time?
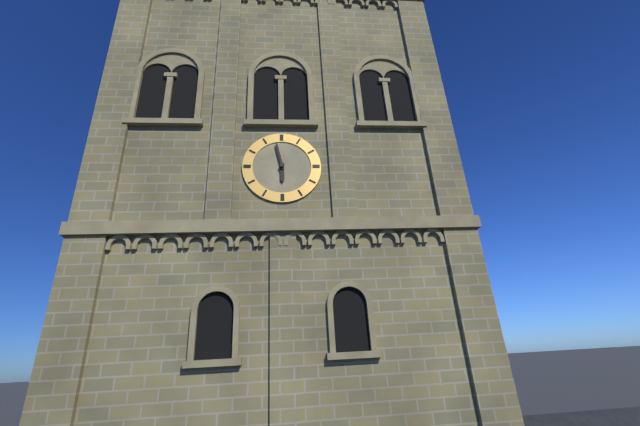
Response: 5:58
